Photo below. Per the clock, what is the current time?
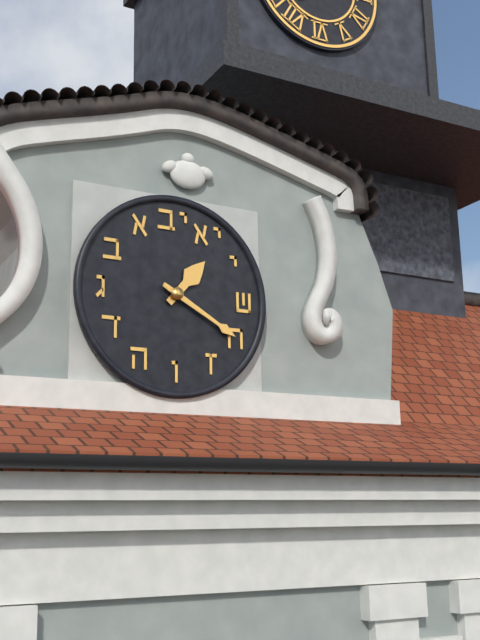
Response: 1:20
